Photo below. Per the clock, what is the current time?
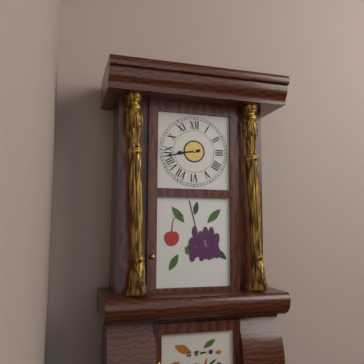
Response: 8:43
